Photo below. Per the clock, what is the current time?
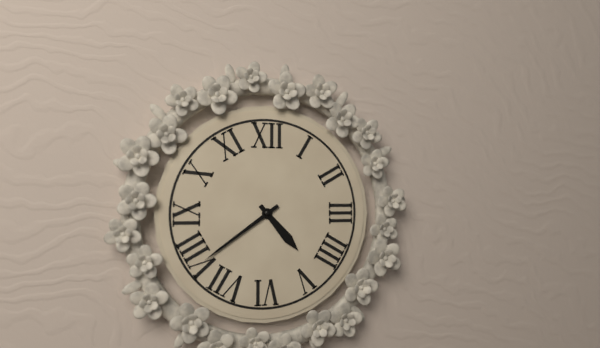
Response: 4:39
